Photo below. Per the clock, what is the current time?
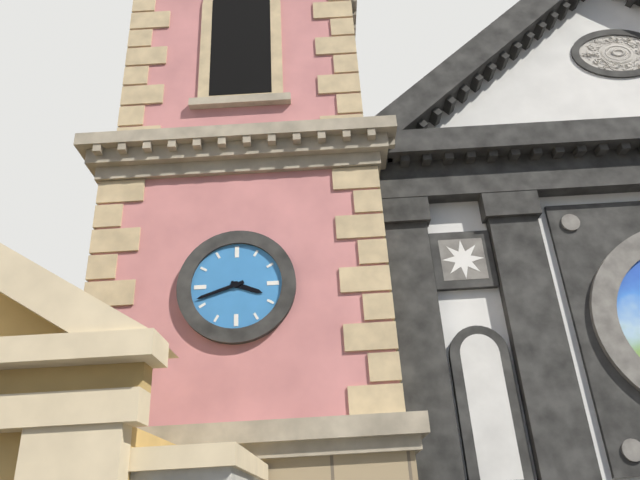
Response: 3:42
